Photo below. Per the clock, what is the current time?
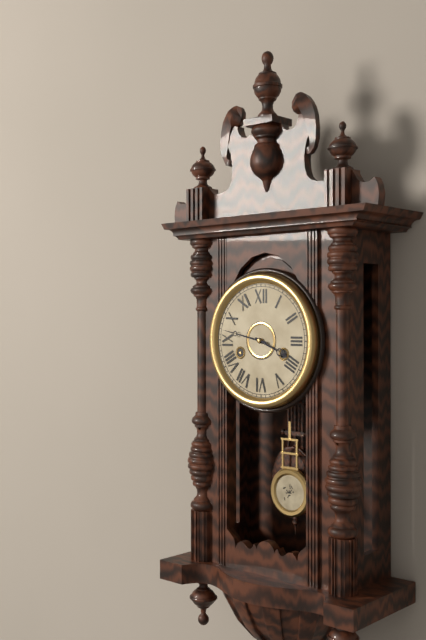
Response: 3:47
